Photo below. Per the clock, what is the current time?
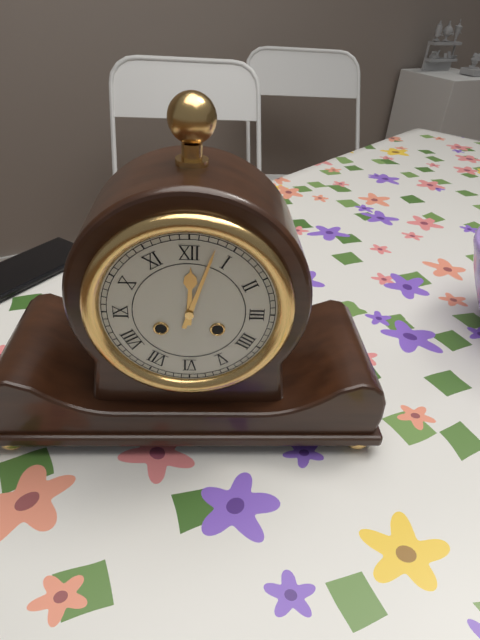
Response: 12:03
